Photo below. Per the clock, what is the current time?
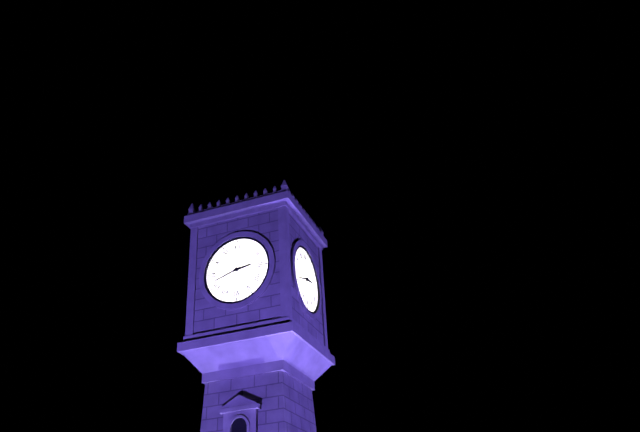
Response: 2:42
